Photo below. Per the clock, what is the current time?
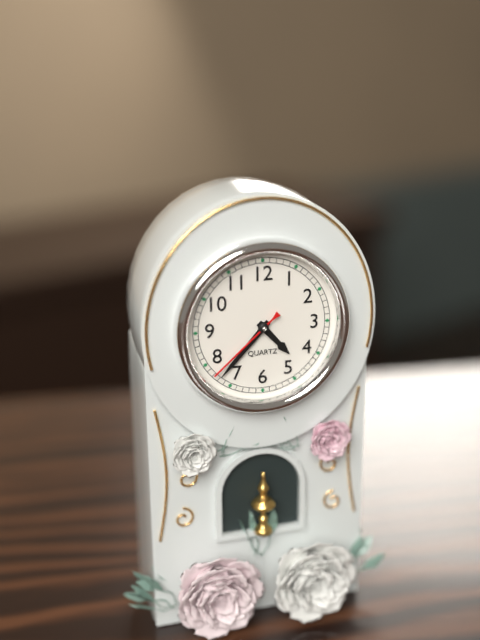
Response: 4:37:38
